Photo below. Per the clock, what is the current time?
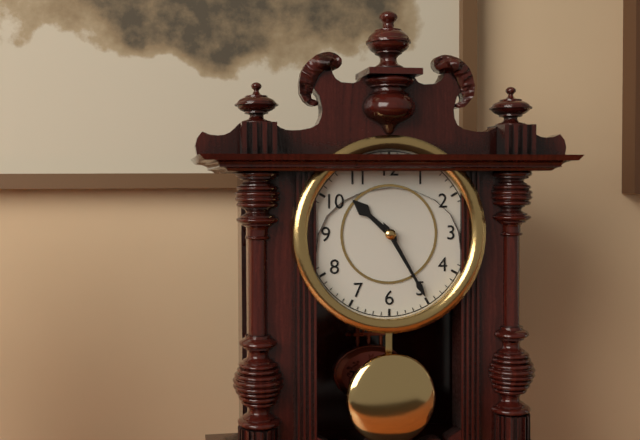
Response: 10:25
